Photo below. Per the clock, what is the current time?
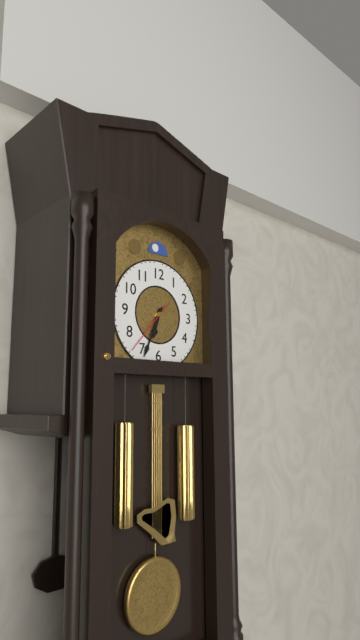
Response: 6:34:37
